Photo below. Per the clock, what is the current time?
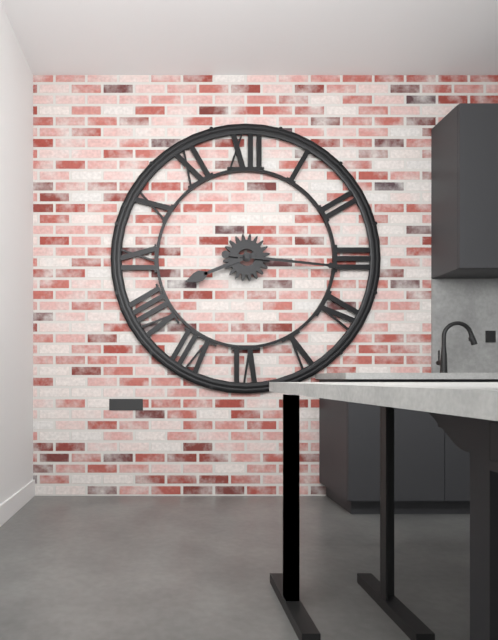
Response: 8:16
